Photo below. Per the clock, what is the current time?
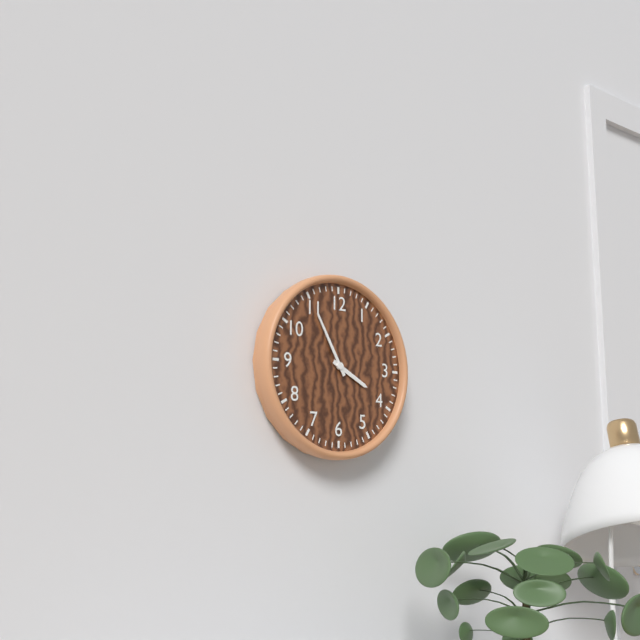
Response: 3:55
